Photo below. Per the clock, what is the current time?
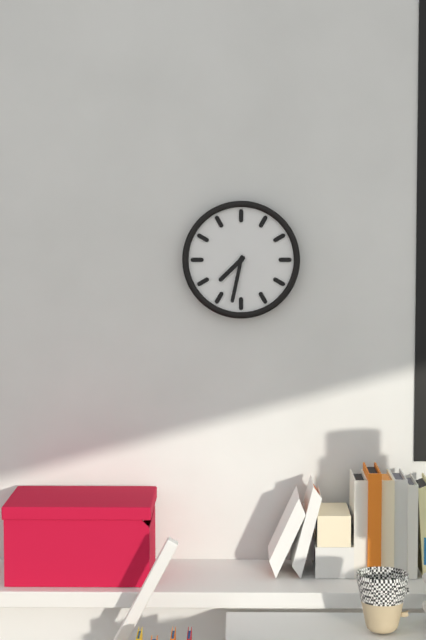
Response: 7:32
